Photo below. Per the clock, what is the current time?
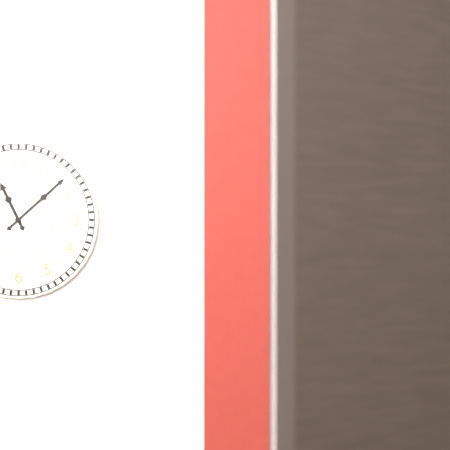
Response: 11:08
